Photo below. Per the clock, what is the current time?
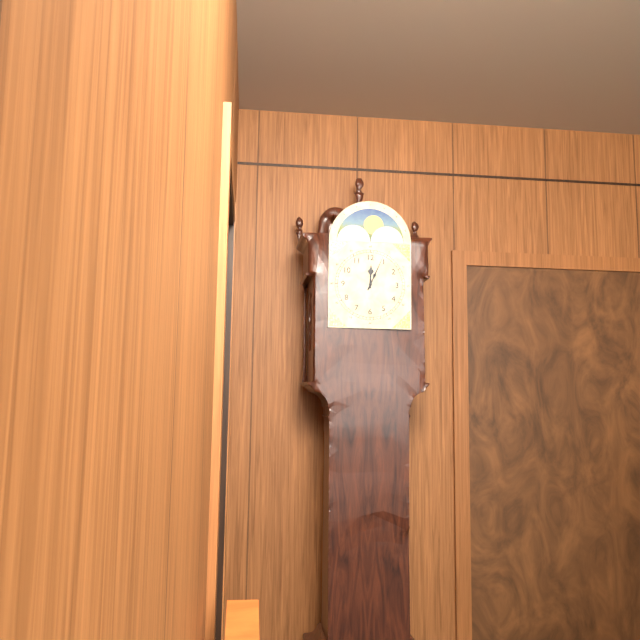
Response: 12:04
